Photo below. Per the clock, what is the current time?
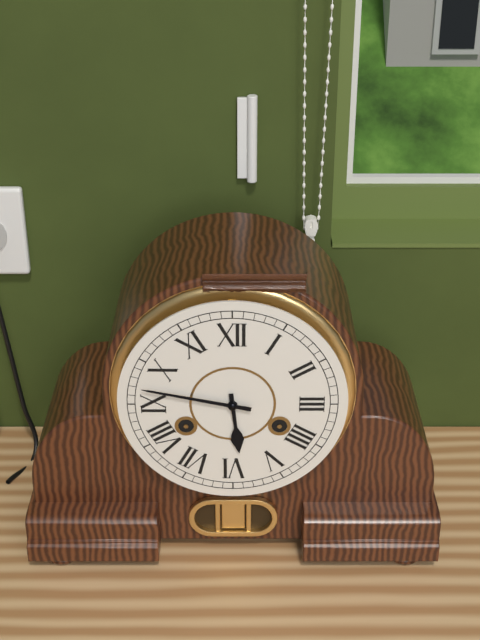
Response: 5:47
